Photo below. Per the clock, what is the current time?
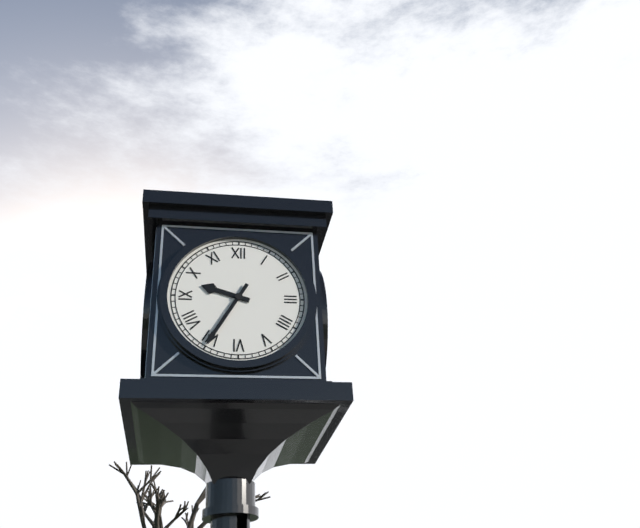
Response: 9:35
